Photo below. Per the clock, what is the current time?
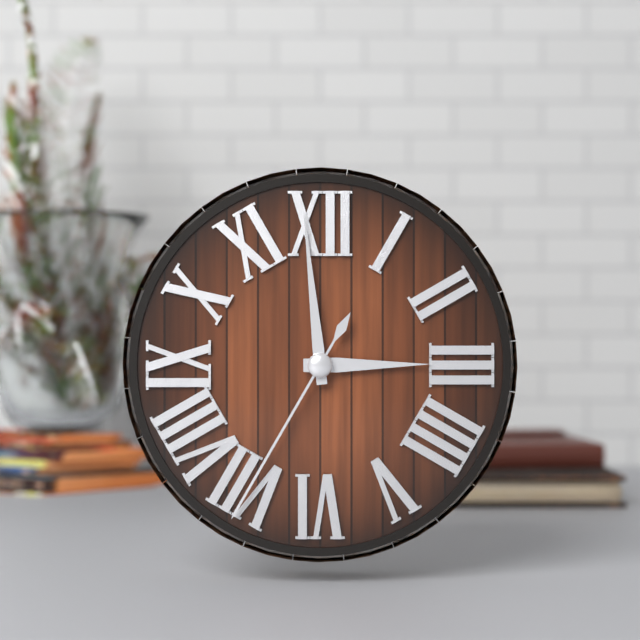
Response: 2:59:35
